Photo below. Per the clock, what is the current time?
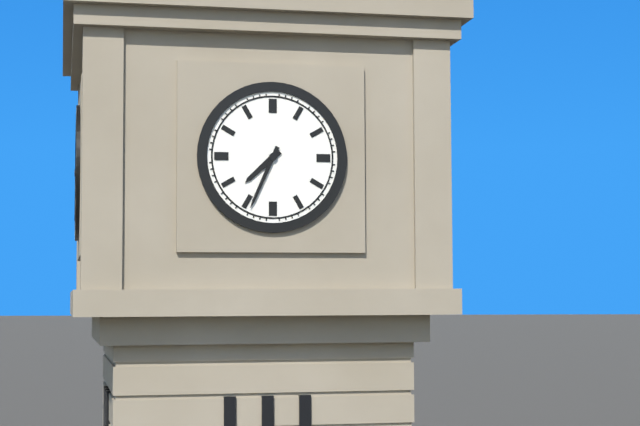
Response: 7:34
